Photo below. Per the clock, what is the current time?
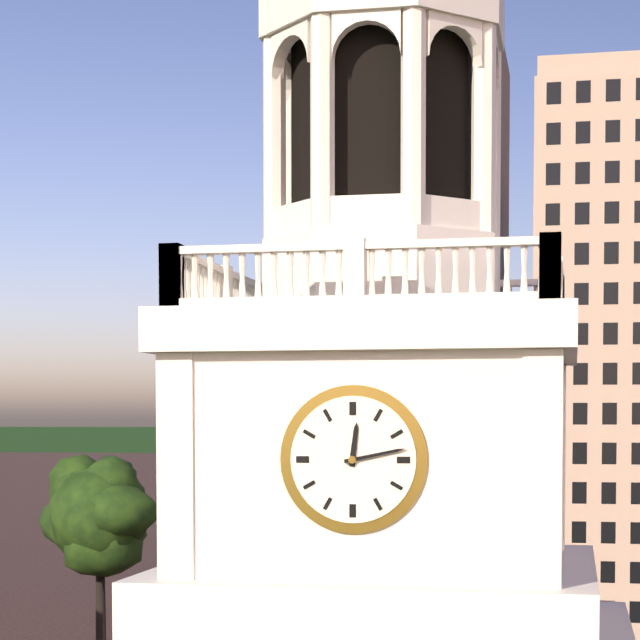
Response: 12:13
